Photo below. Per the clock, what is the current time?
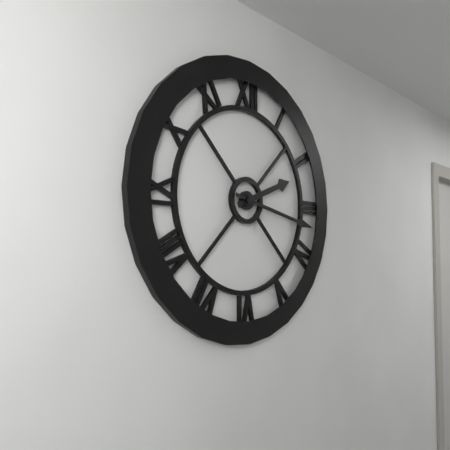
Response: 2:17
